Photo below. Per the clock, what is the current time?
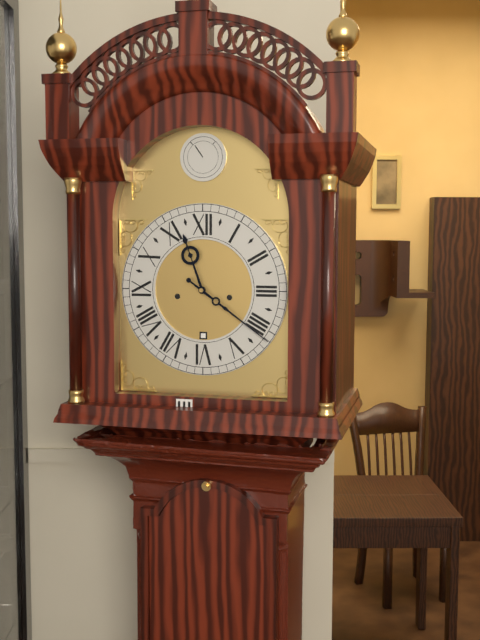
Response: 11:21
